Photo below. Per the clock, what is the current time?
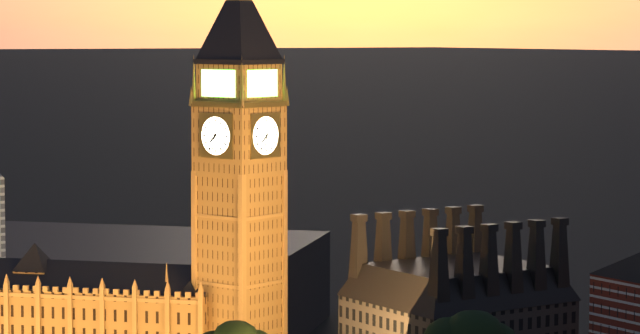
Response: 7:32
